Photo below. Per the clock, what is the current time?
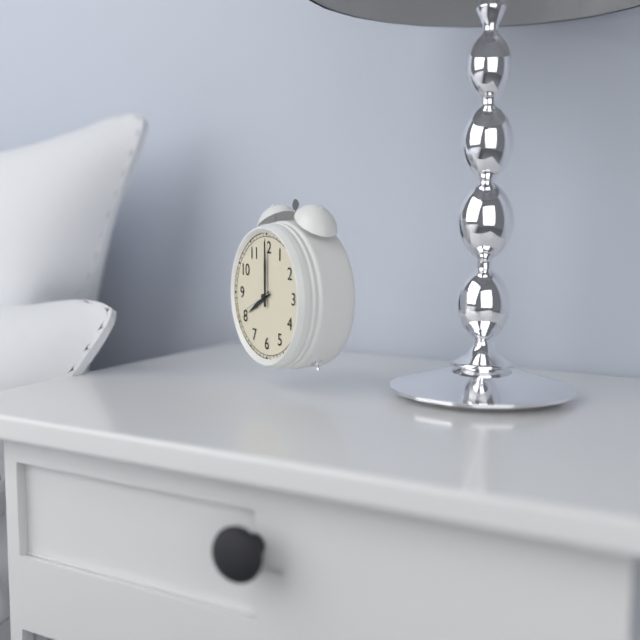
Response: 8:00
